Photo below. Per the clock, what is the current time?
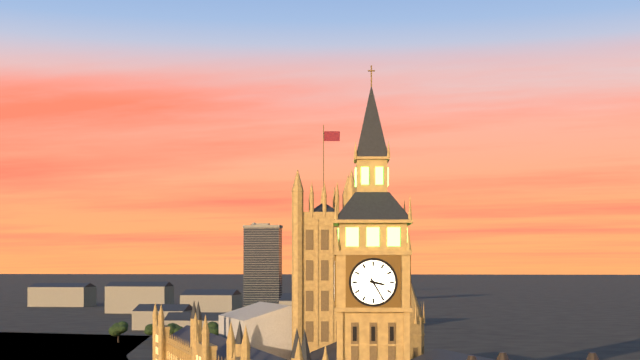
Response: 3:25
